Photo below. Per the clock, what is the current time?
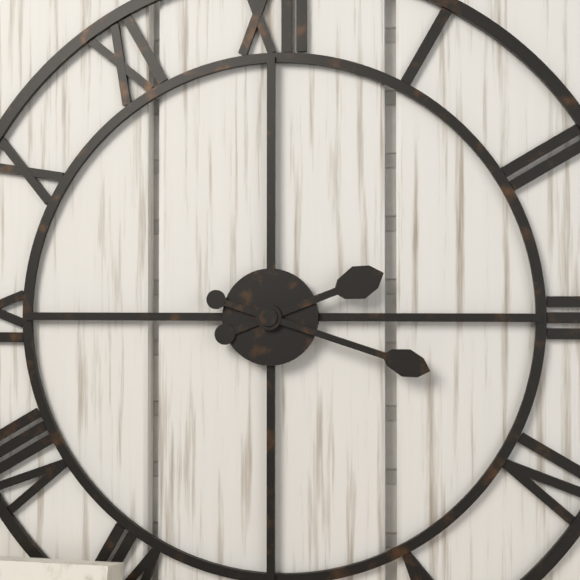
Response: 2:18
